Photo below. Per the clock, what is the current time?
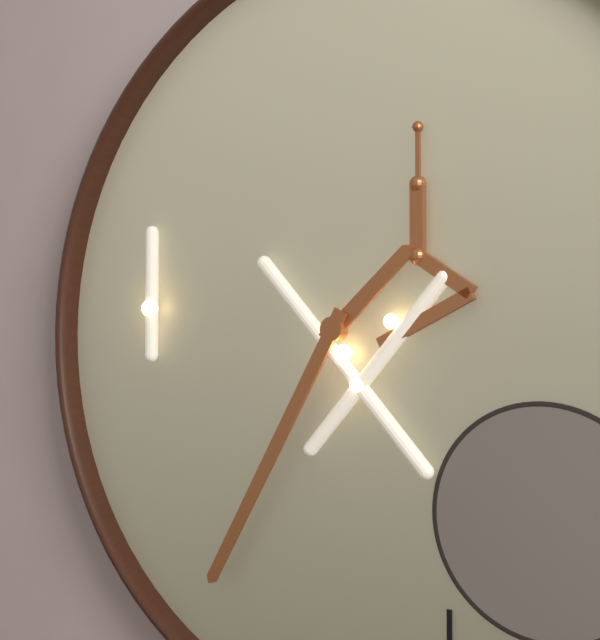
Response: 1:35
